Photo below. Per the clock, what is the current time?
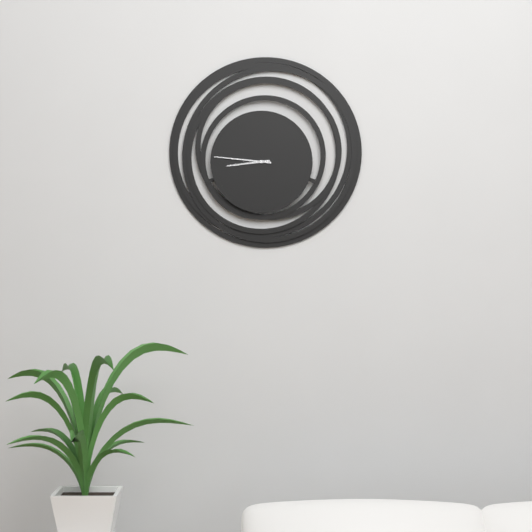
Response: 8:46
